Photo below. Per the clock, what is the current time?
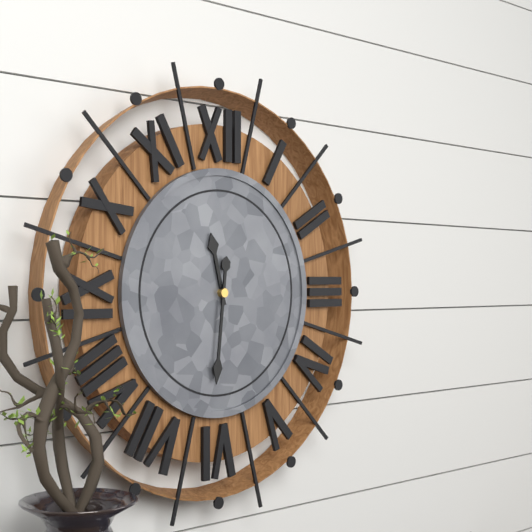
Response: 11:31
